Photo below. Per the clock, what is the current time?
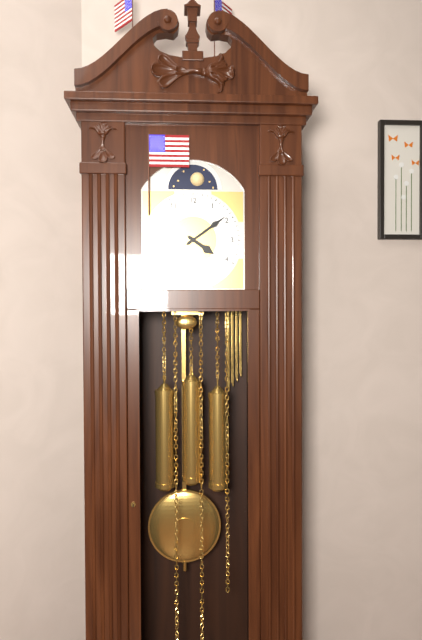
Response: 4:09
